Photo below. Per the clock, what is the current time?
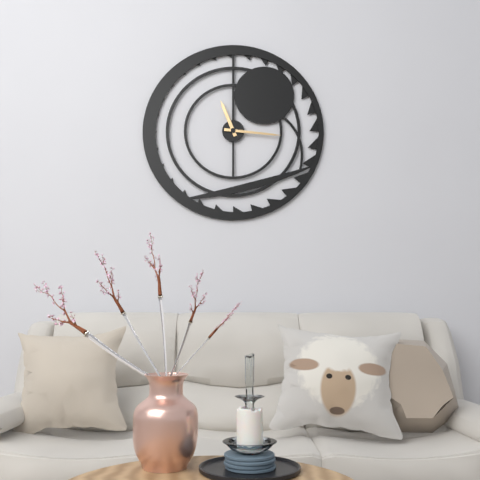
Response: 11:16
